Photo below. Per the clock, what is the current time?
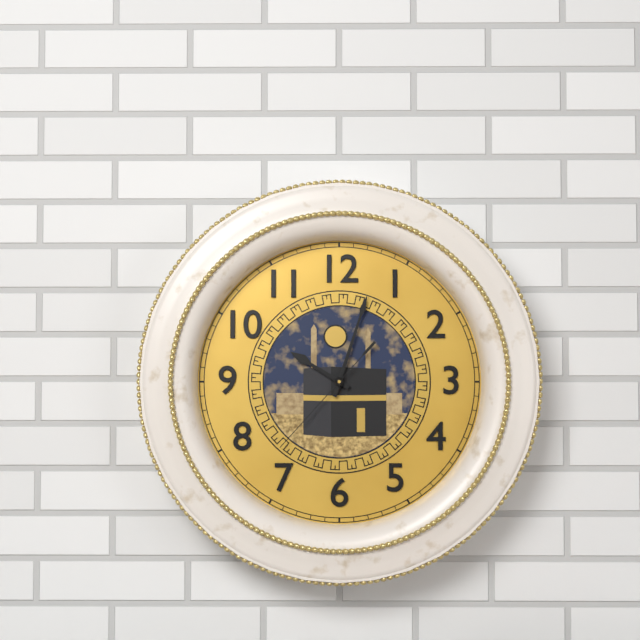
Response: 10:03:37
